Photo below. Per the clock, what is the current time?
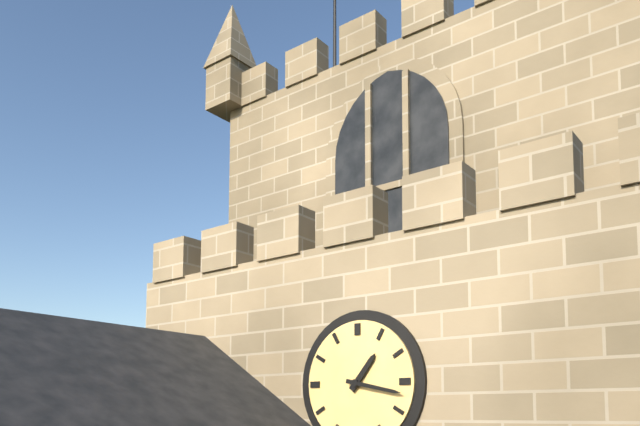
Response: 1:17
